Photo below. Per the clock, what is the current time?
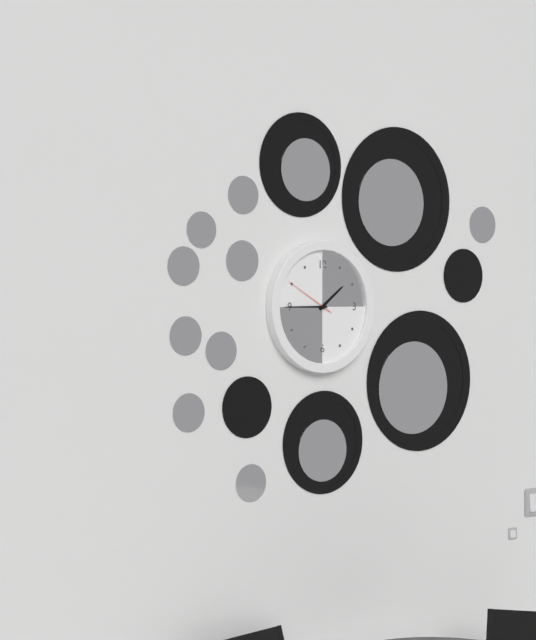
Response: 1:45:50
